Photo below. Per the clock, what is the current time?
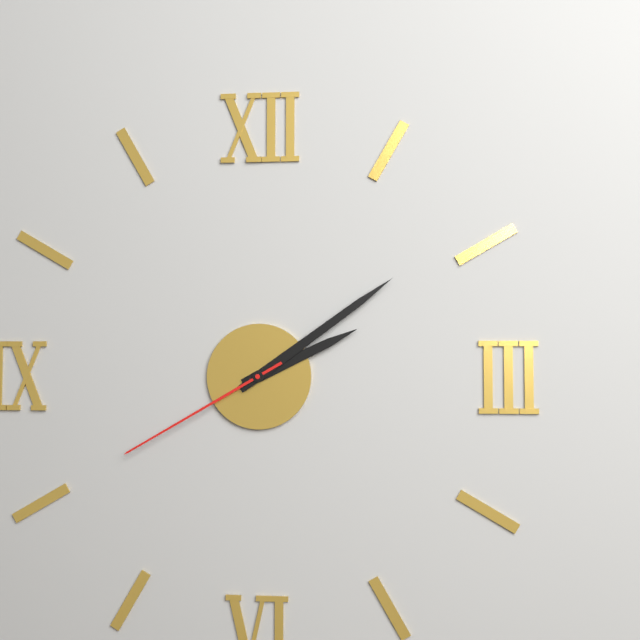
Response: 2:09:40
